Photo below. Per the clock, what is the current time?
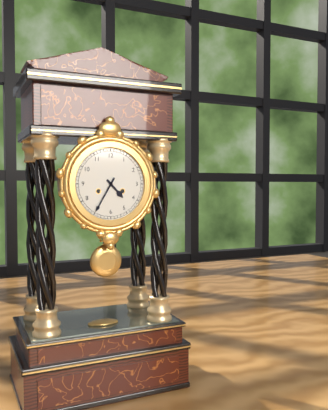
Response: 4:35
